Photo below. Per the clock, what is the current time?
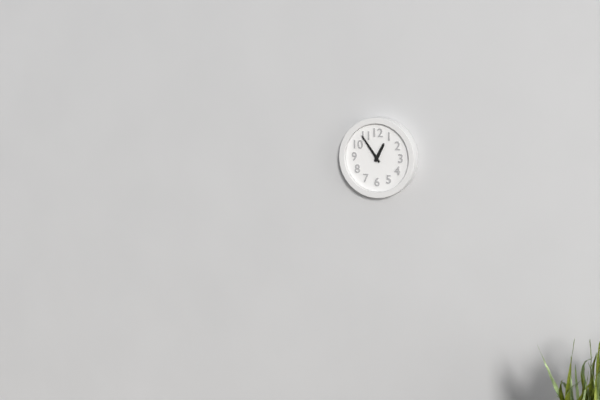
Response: 12:54
